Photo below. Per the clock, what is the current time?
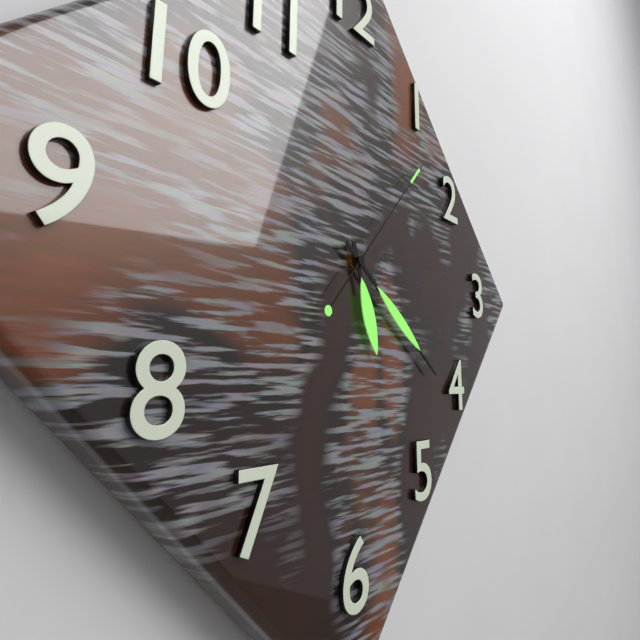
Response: 5:21:07
